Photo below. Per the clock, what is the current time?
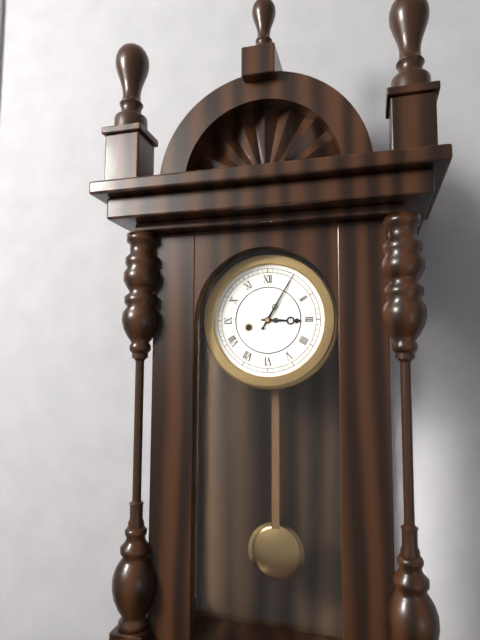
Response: 3:05
